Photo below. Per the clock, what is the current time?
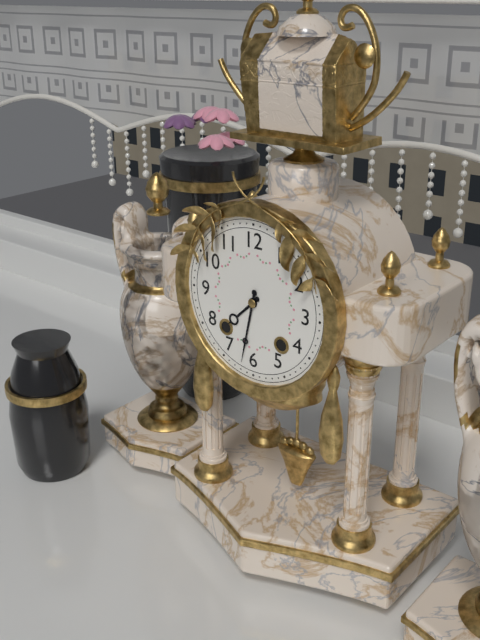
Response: 7:32
